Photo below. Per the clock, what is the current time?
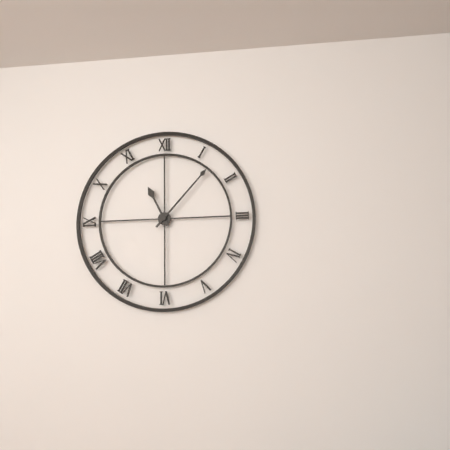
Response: 11:07
